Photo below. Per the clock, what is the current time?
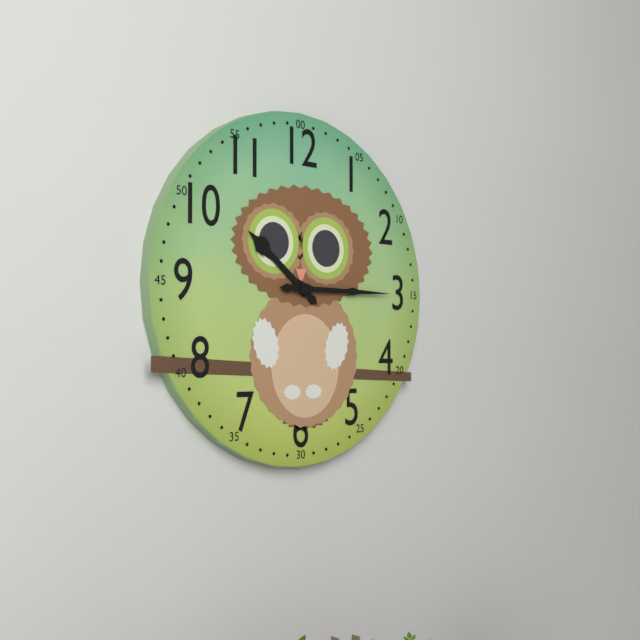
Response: 10:15
